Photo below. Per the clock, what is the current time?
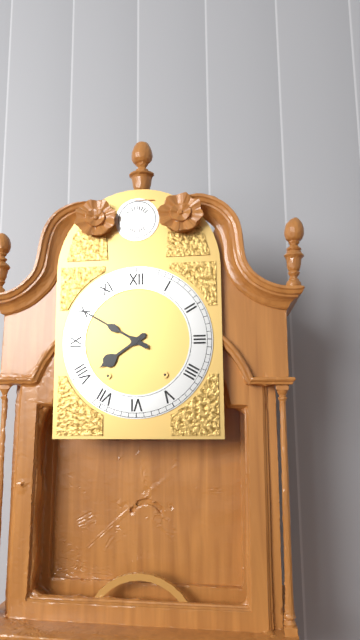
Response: 7:50
